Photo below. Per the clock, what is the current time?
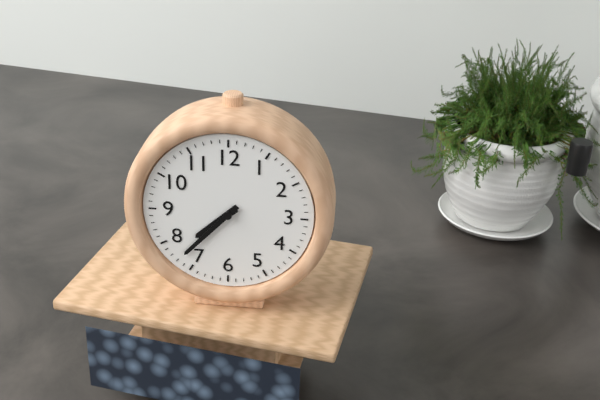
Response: 7:37
